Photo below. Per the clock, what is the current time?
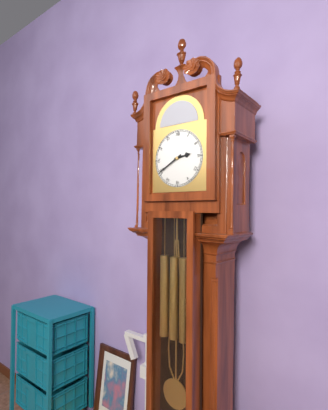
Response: 2:40
